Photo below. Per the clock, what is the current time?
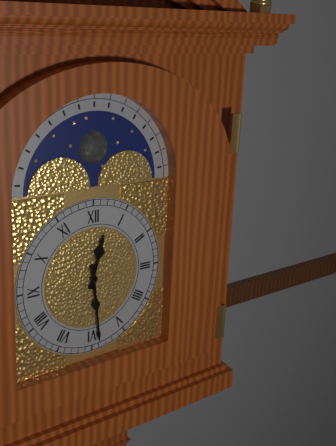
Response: 12:29
